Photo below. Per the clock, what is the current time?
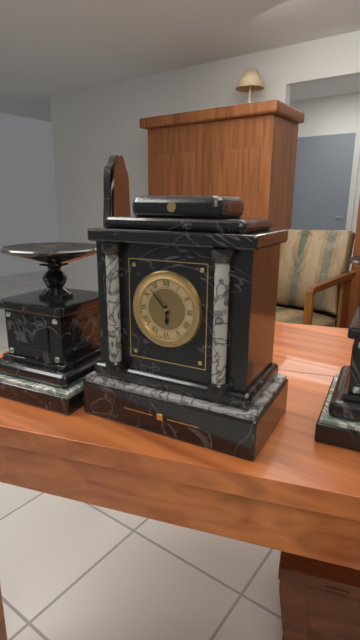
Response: 5:53
